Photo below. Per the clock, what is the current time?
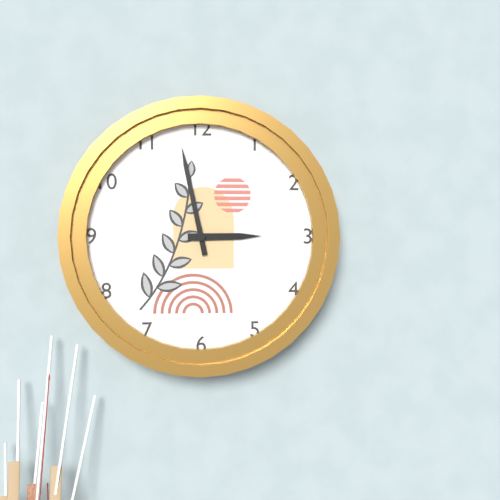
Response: 2:58
